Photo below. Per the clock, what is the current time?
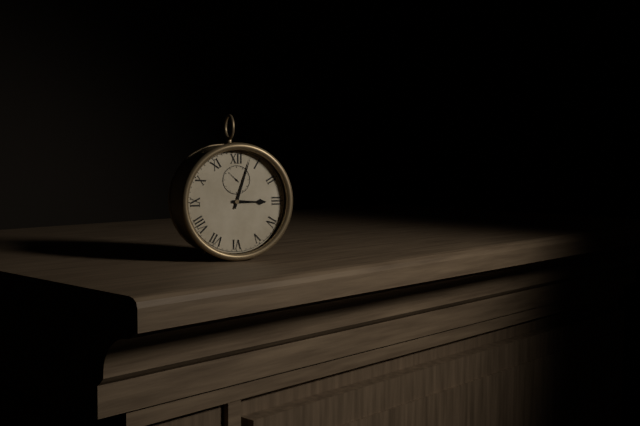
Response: 3:03
